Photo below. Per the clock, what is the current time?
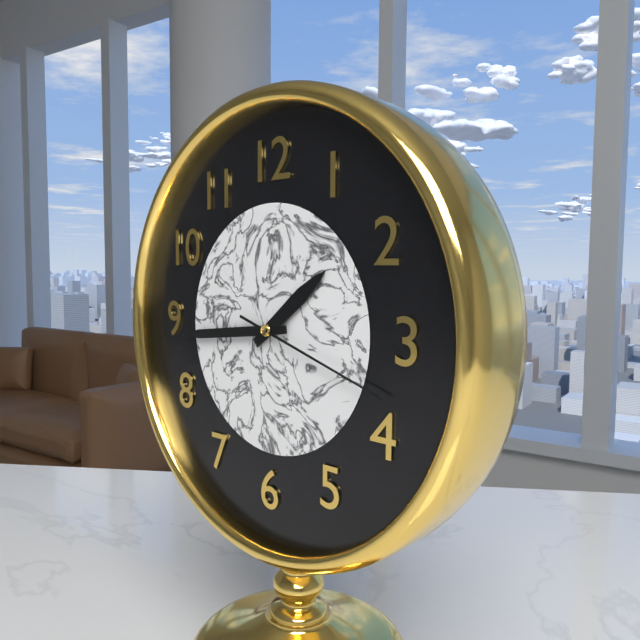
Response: 1:44:18
